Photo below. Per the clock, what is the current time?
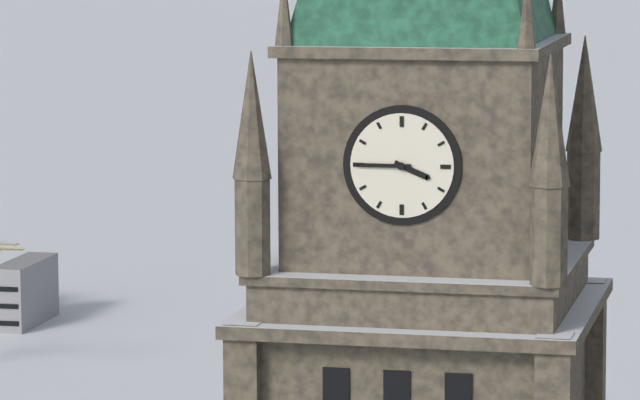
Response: 3:45
